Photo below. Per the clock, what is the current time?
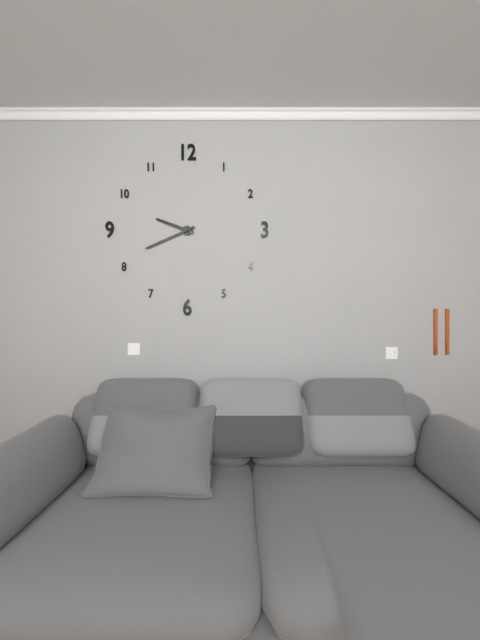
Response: 9:41
